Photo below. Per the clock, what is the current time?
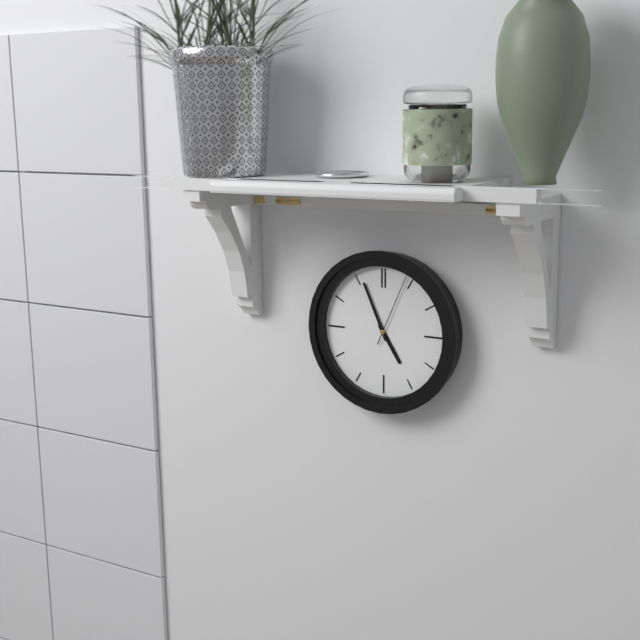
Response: 4:56:04
